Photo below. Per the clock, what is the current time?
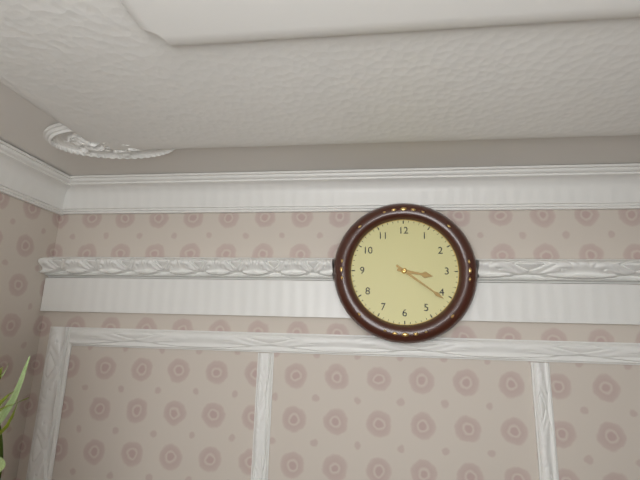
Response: 3:21
